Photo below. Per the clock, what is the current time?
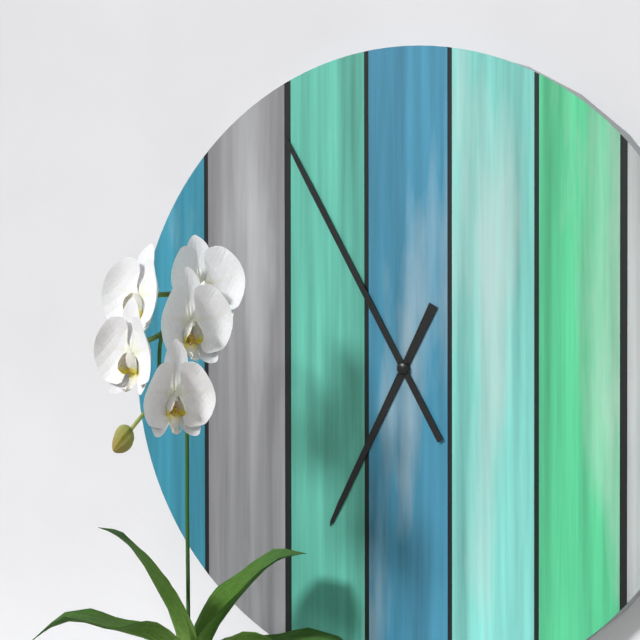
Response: 6:55
